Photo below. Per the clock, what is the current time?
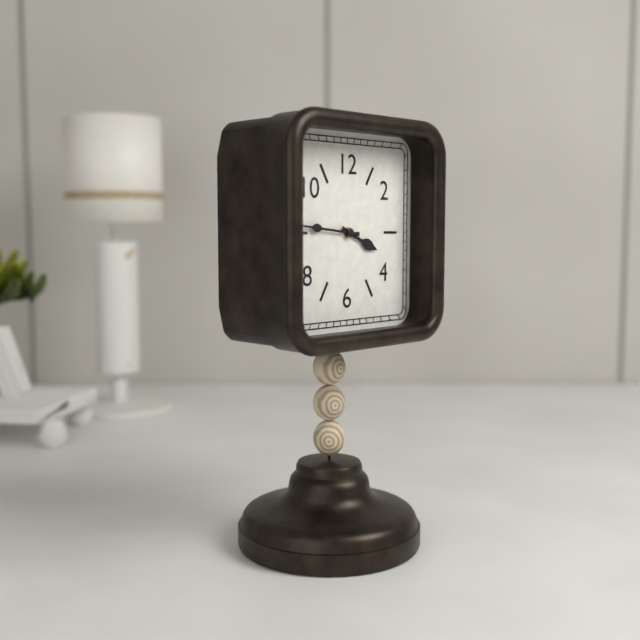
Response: 3:46
